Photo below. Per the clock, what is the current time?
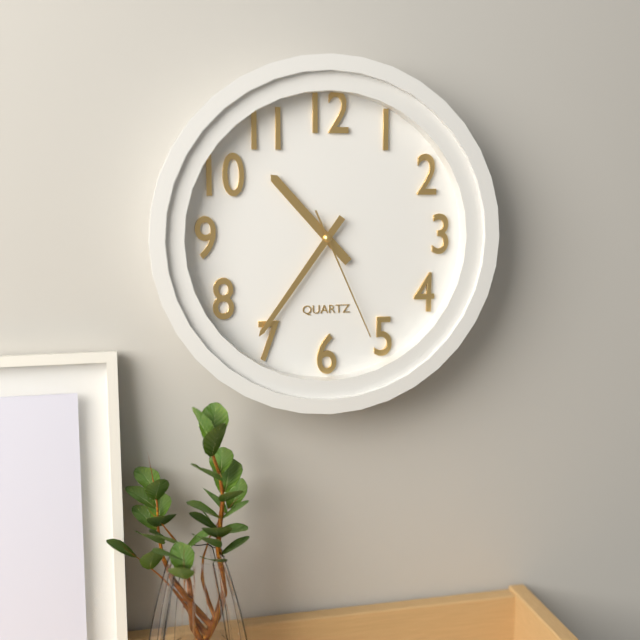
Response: 10:36:26
